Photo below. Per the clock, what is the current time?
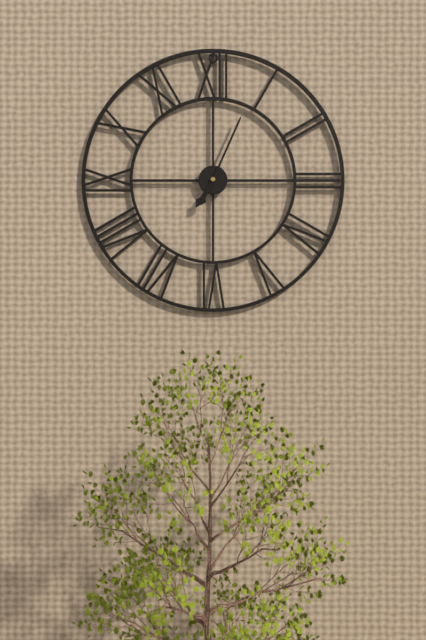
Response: 7:04
